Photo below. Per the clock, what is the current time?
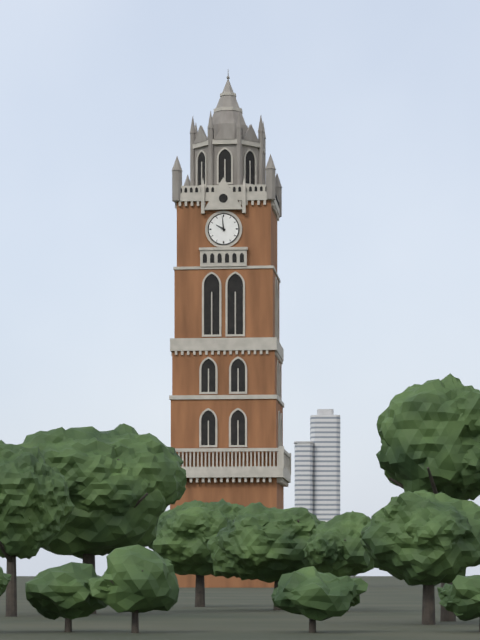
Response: 9:59
